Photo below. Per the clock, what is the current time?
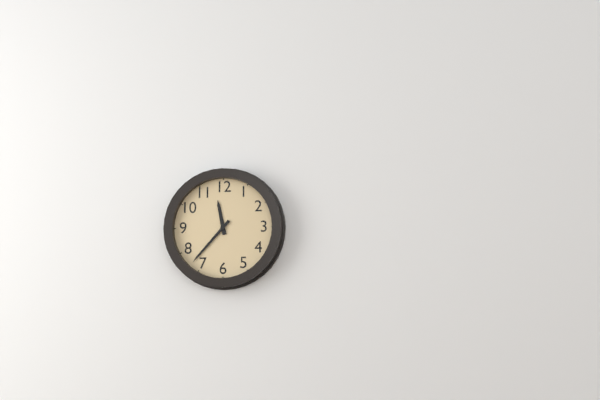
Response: 11:37
